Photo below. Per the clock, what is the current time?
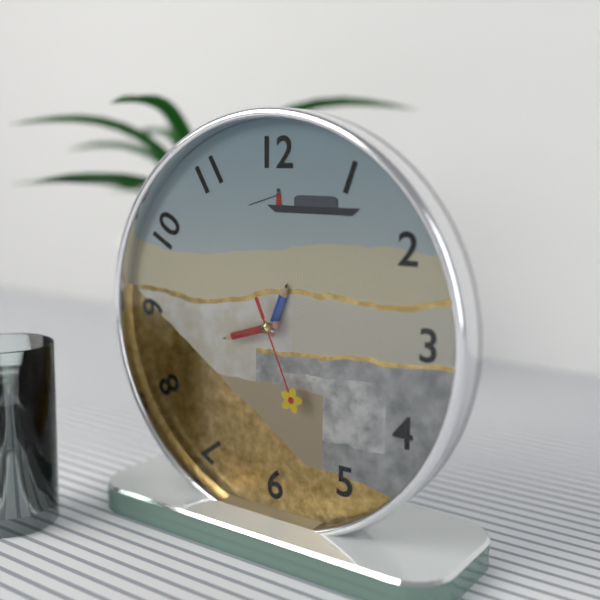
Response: 12:42:26
